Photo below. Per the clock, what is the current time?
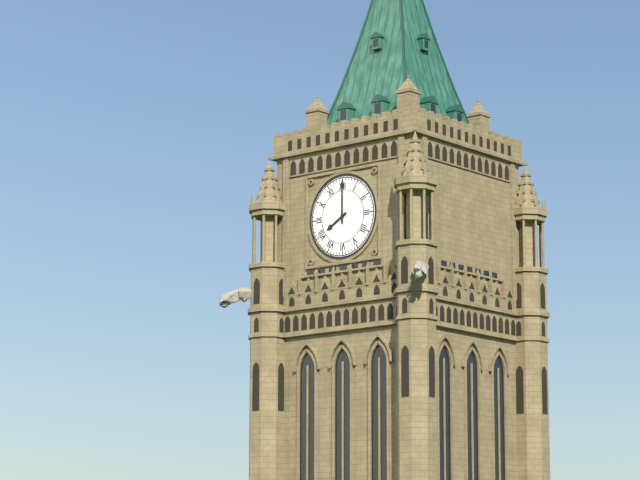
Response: 8:00
